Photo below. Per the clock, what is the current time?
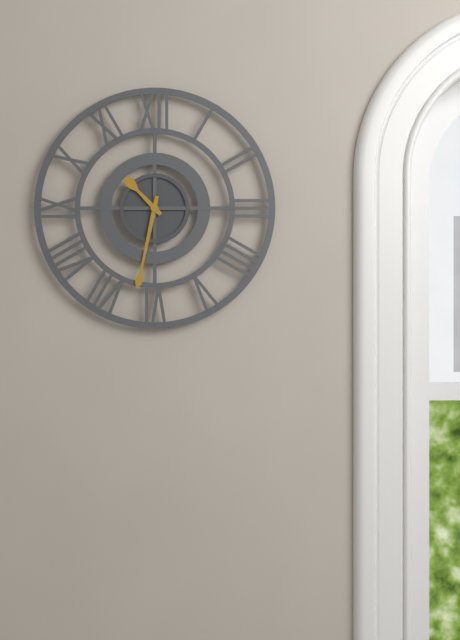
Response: 10:32
